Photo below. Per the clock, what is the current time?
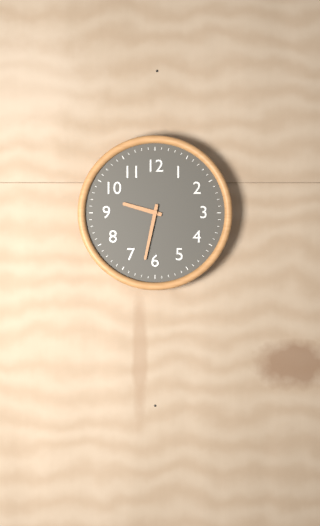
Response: 9:32
